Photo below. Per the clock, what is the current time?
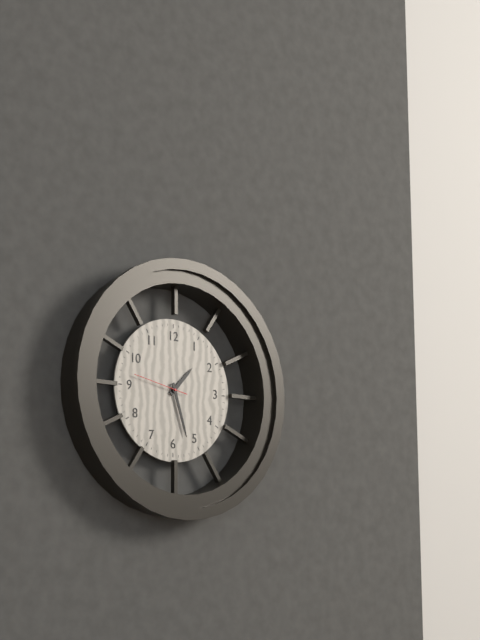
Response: 1:27:47
